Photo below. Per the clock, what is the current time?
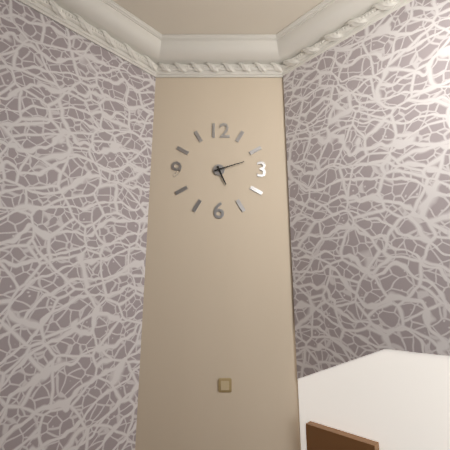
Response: 5:12
